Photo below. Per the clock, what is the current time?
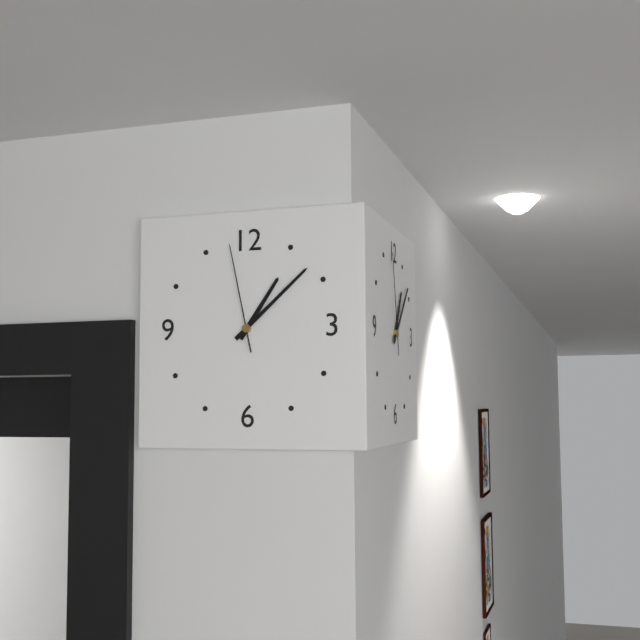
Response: 1:08:58
